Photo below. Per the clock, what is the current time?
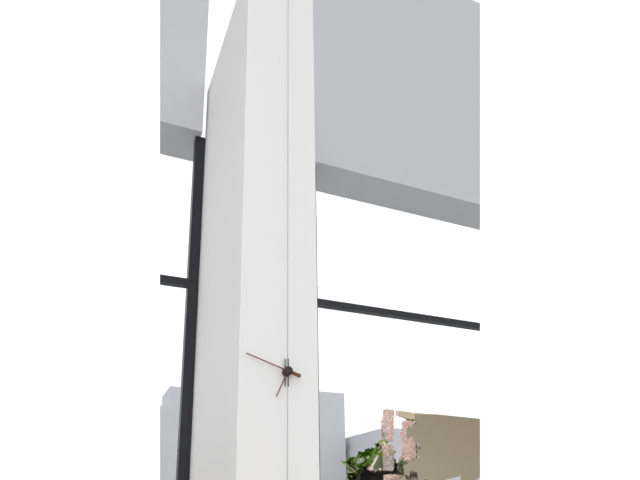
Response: 6:48
